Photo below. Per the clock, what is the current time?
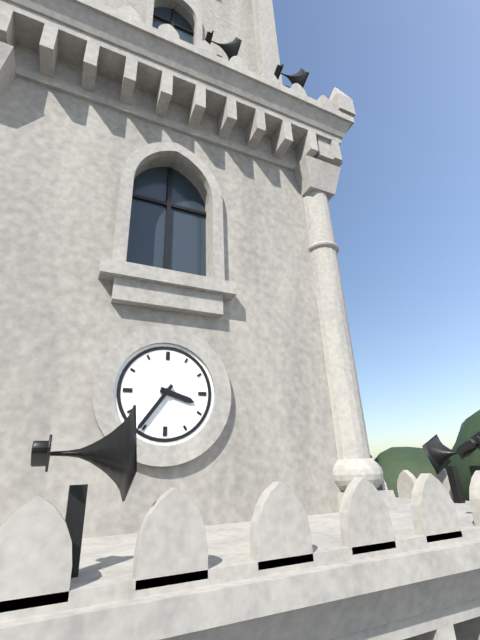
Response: 3:36
